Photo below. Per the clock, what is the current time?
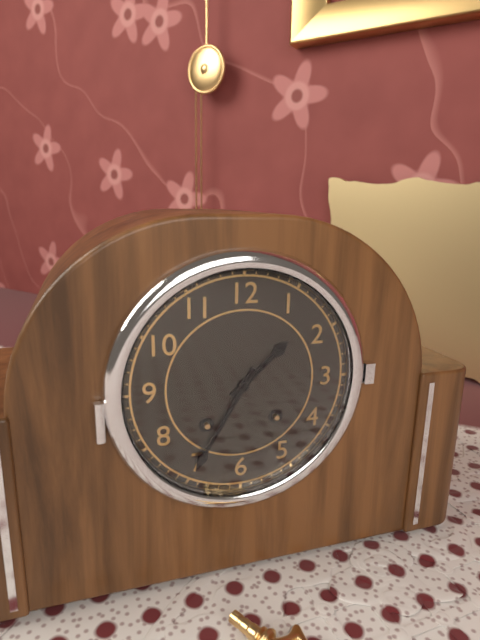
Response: 1:35
